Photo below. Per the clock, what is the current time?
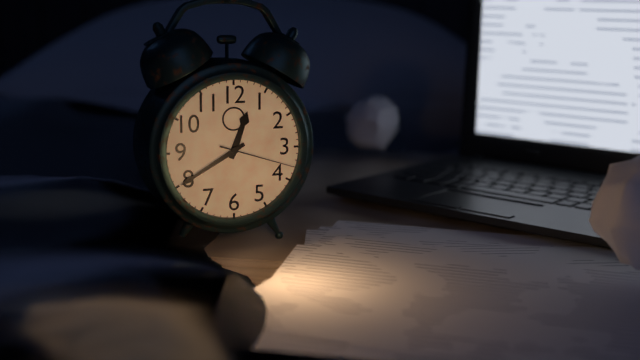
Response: 12:40:18
